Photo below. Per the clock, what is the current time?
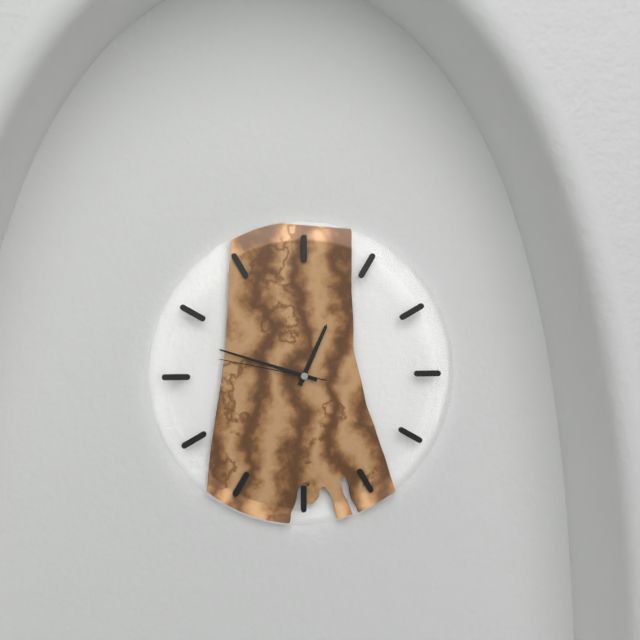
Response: 12:48:47
